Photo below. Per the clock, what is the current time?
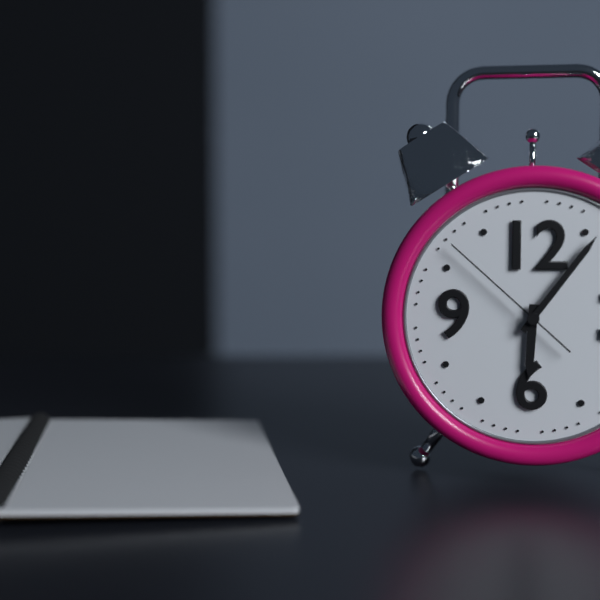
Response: 6:06:52
